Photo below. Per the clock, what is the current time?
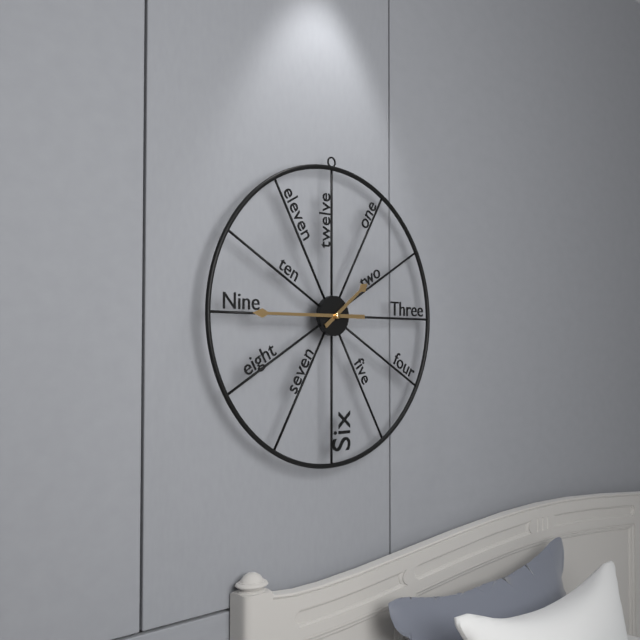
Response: 1:45
